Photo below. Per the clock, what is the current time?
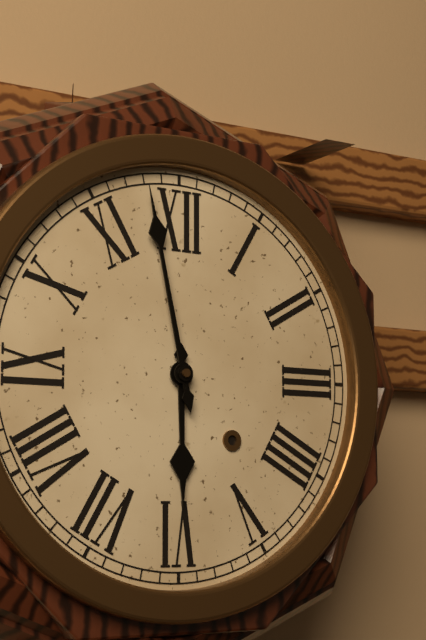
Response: 5:58
